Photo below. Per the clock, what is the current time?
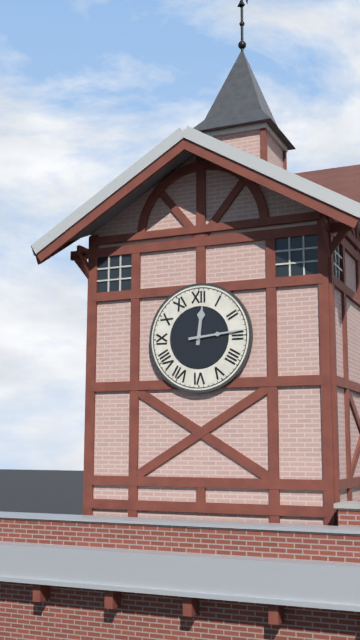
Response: 12:14
